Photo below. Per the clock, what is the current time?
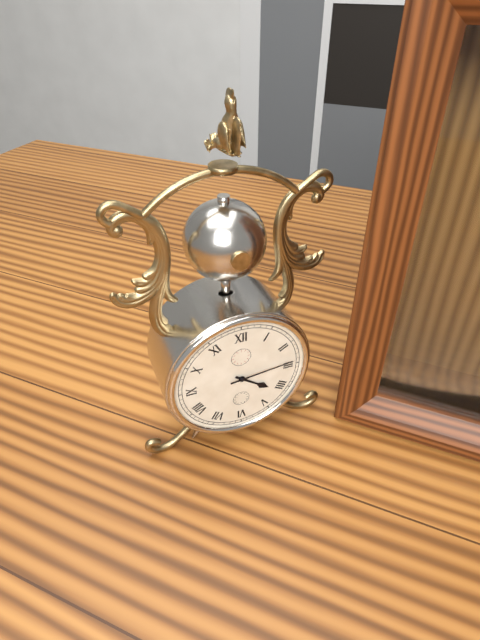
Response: 4:14
